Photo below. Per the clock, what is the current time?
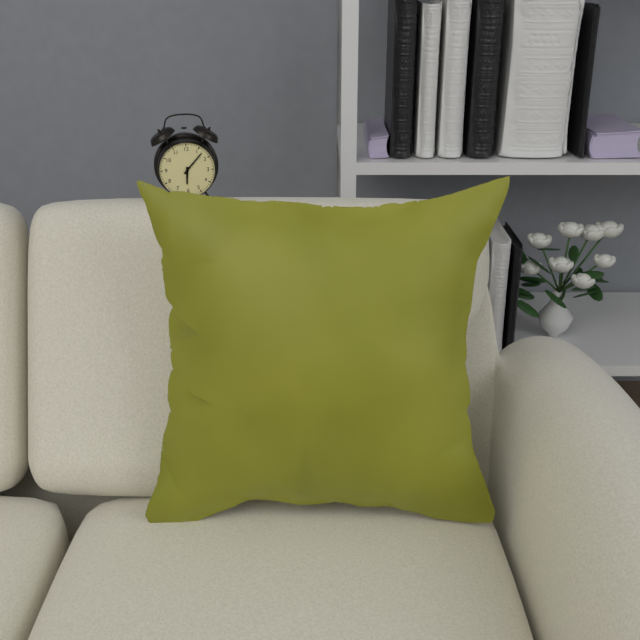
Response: 6:07
